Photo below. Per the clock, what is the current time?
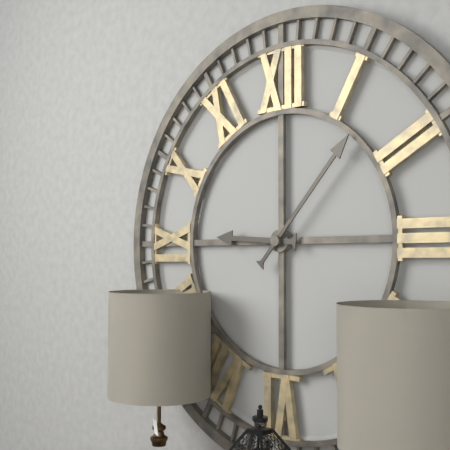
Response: 9:07
